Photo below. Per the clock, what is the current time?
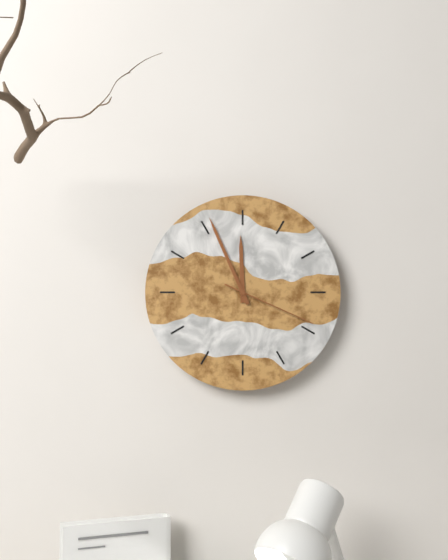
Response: 11:56:19
